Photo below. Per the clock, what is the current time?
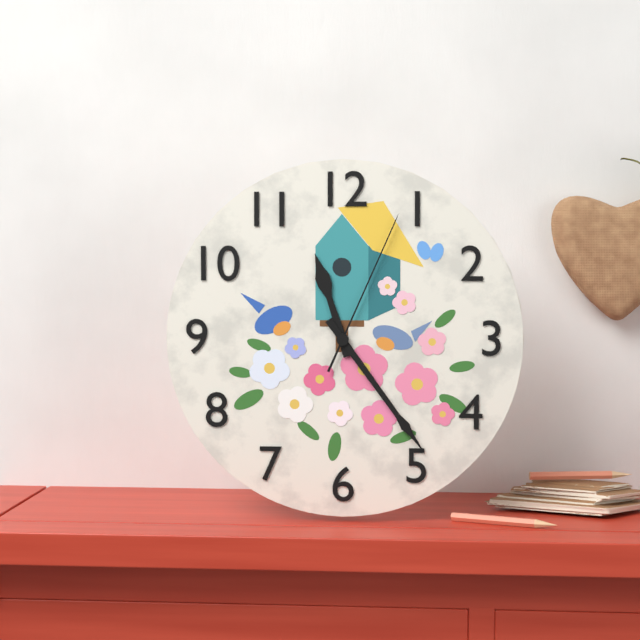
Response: 11:24:04
